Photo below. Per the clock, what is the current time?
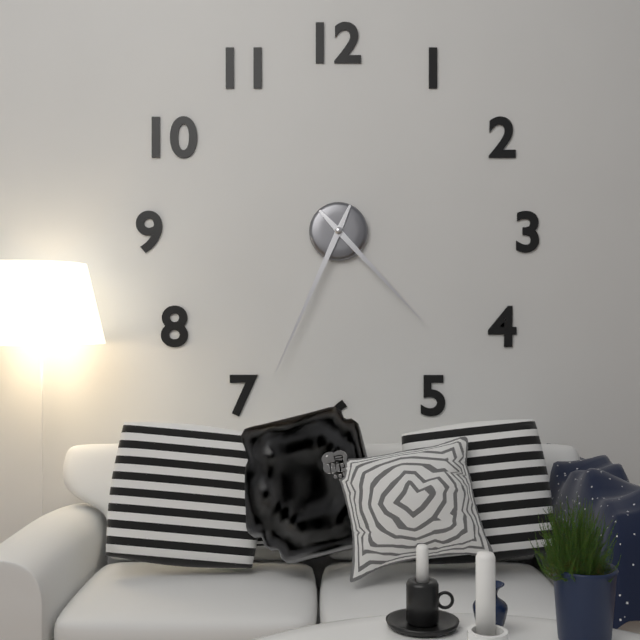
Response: 4:34
